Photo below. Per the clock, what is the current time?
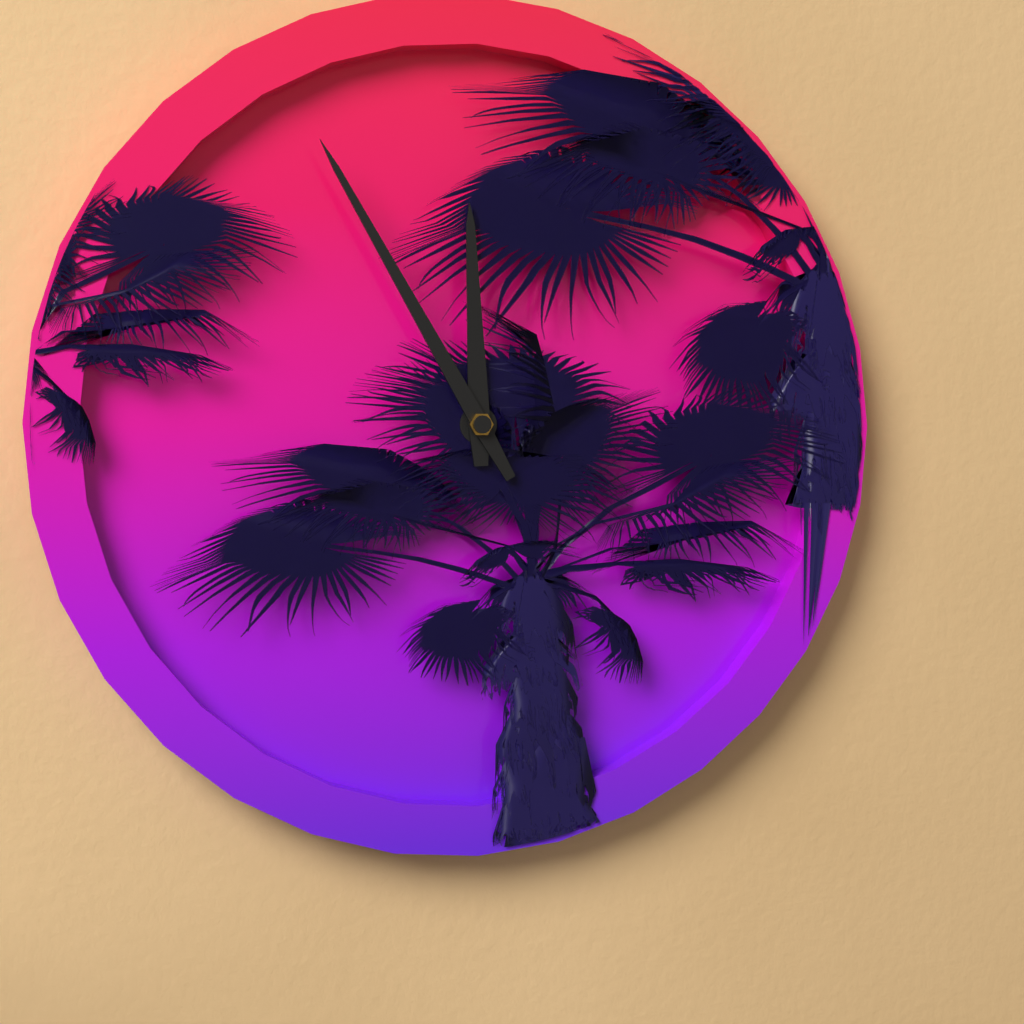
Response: 11:55
